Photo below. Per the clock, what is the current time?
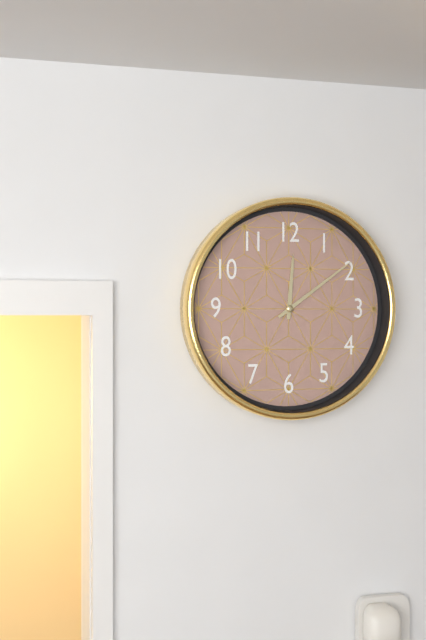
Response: 12:09
